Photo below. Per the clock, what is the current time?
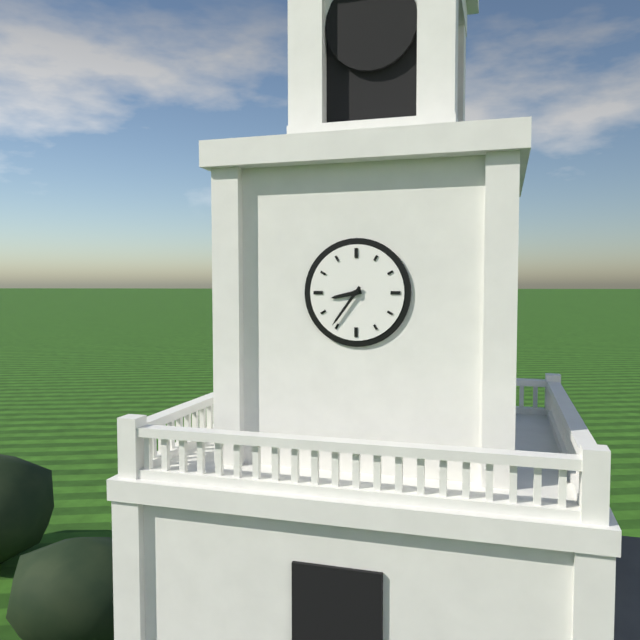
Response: 8:36
